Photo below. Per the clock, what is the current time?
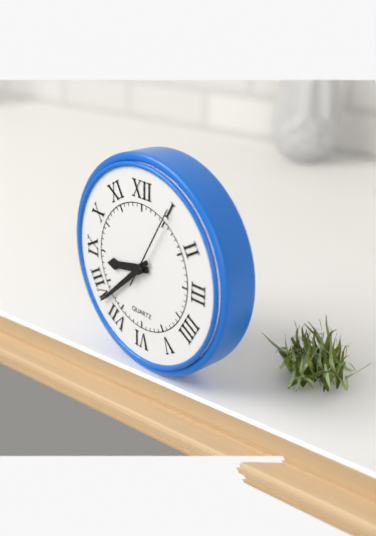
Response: 8:38:05
